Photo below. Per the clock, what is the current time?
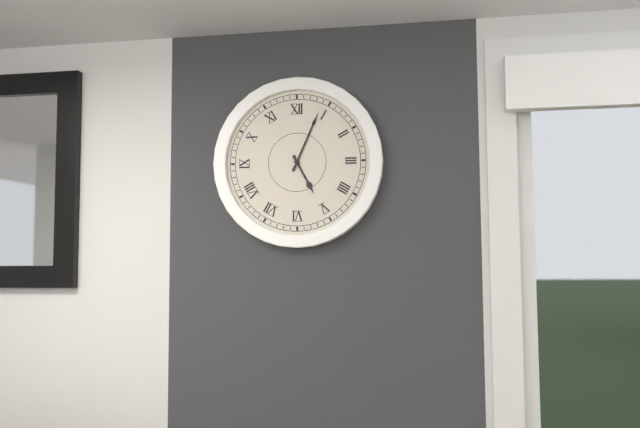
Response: 5:04
